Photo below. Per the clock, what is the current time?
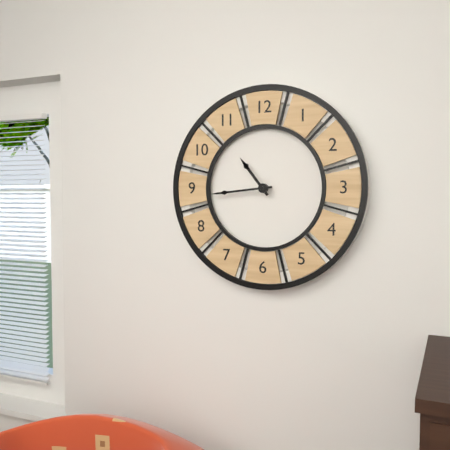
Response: 10:44
